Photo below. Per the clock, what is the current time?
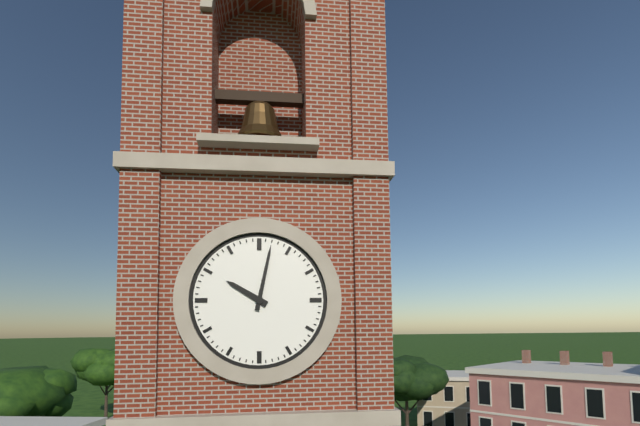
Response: 10:02
